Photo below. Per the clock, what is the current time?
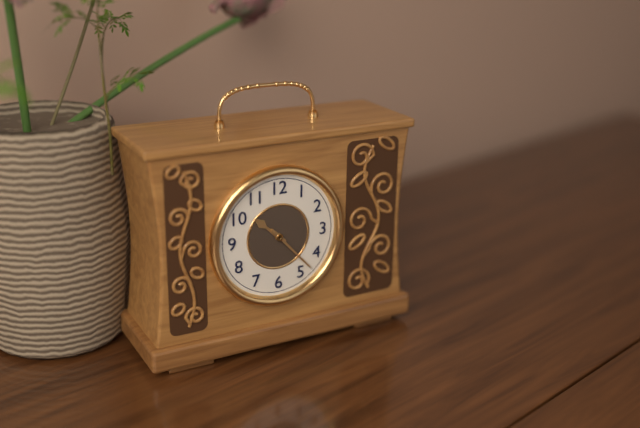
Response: 10:23
